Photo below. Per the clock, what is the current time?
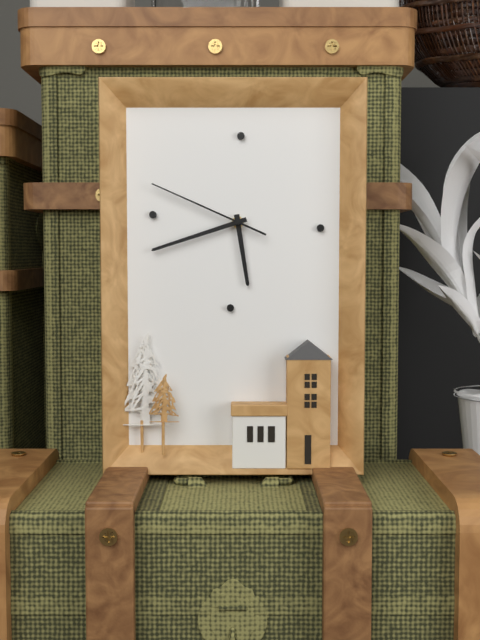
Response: 5:42:49
